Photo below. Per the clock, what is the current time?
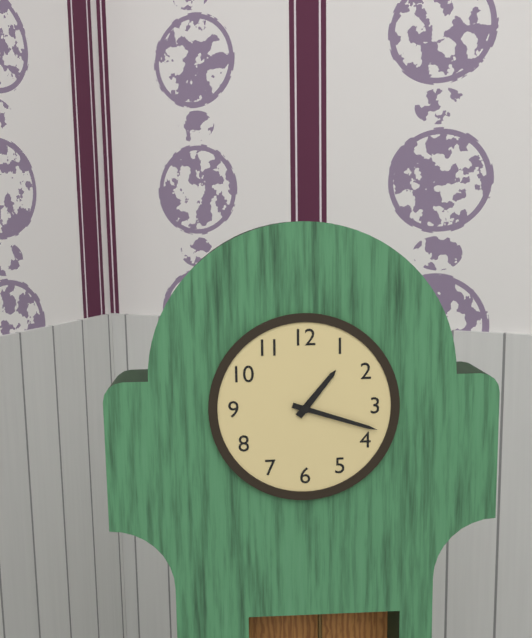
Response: 1:18
